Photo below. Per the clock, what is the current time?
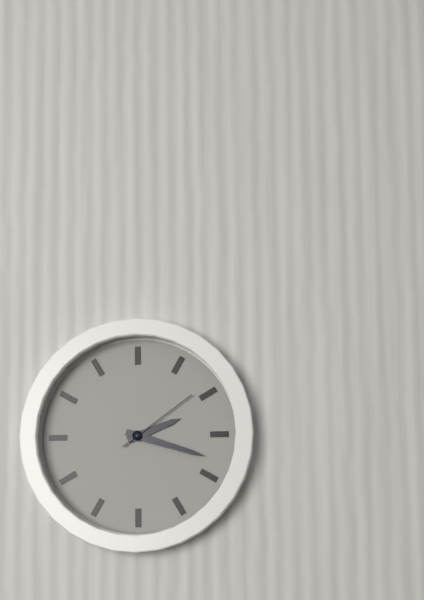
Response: 2:18:09
